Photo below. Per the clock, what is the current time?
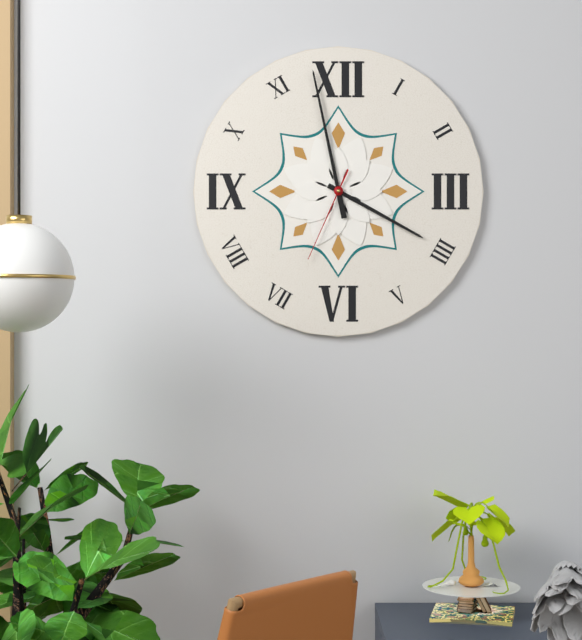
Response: 3:58:34
